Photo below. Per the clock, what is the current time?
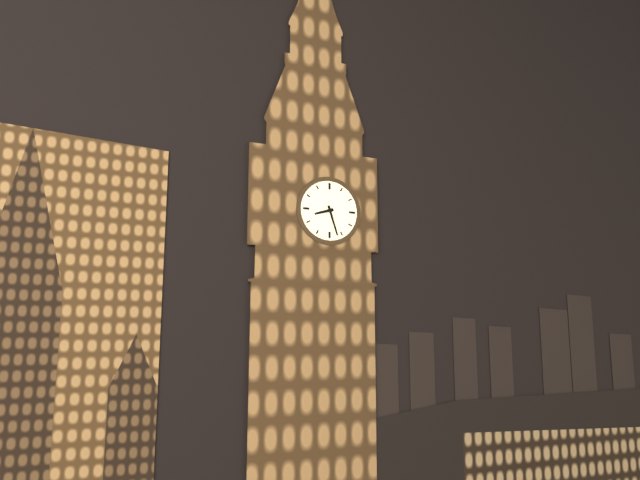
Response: 8:27
